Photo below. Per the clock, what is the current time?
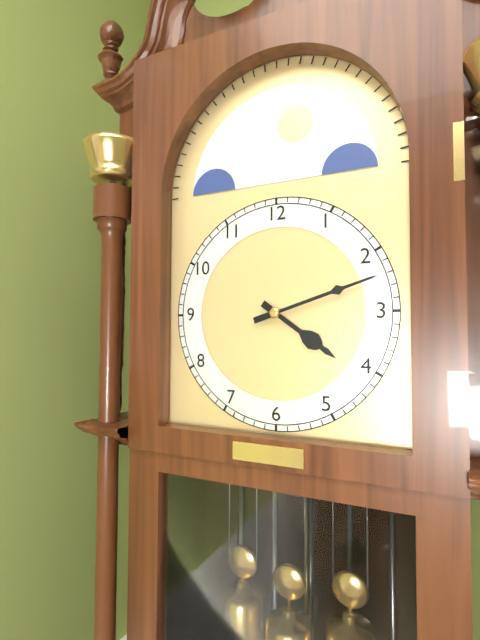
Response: 4:12
